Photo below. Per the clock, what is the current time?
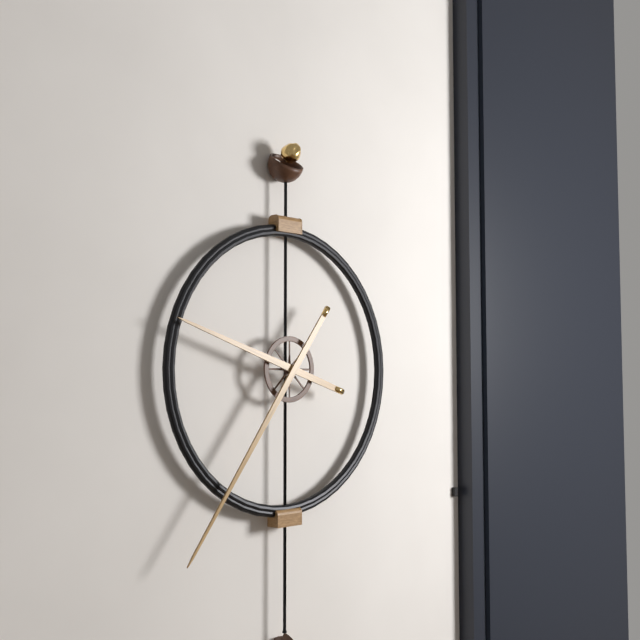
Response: 9:36
